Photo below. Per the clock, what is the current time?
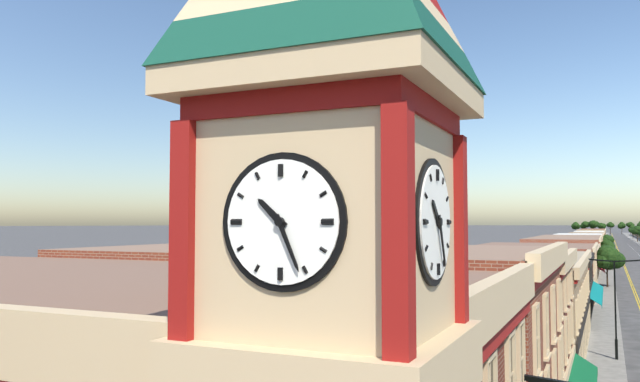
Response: 10:26
